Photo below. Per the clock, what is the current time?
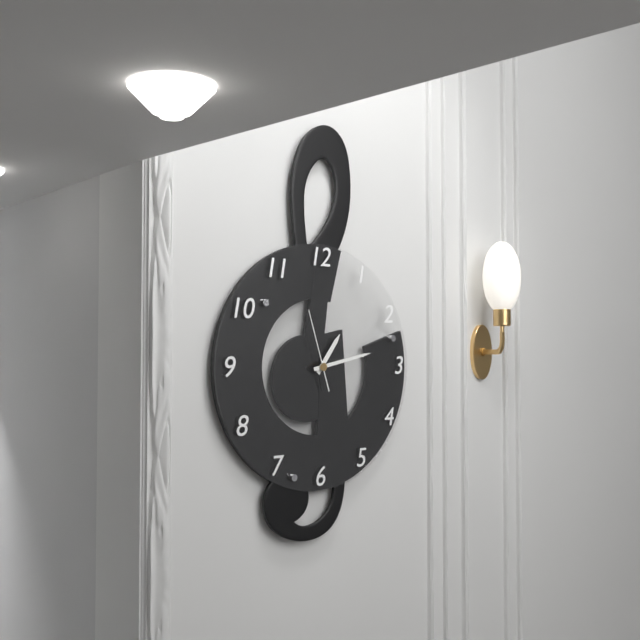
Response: 1:13:57
